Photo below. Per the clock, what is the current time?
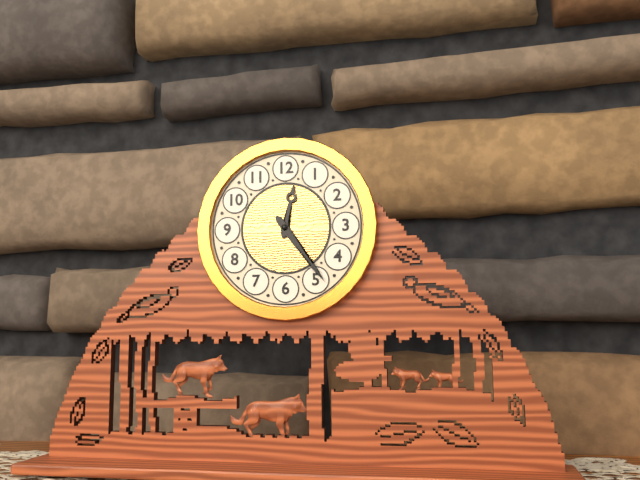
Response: 12:24
